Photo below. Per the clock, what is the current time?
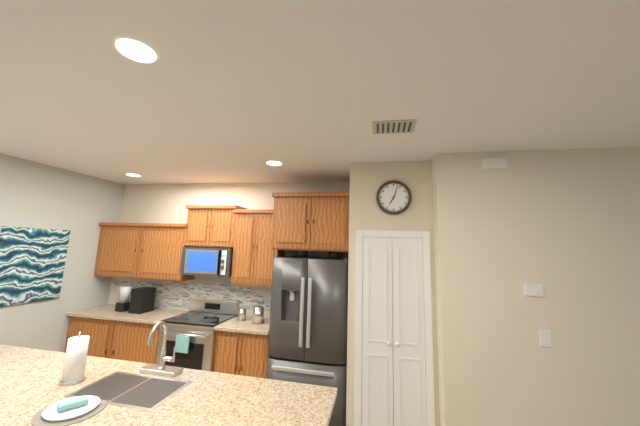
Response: 7:03
